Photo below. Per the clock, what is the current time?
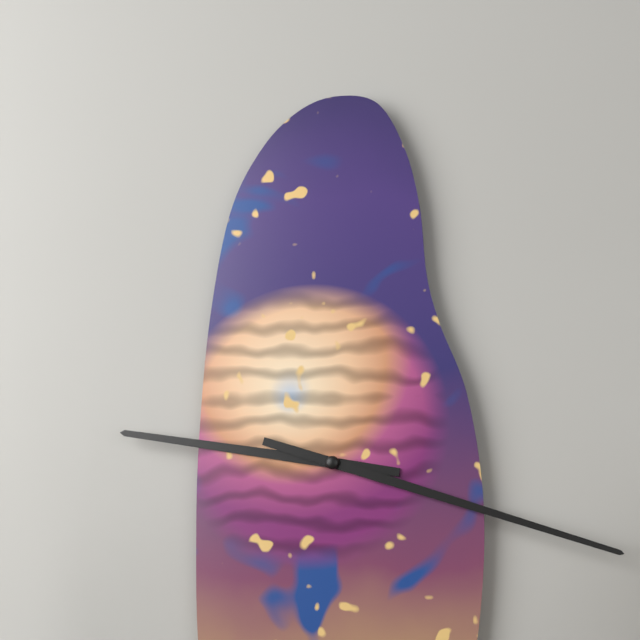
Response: 9:18
